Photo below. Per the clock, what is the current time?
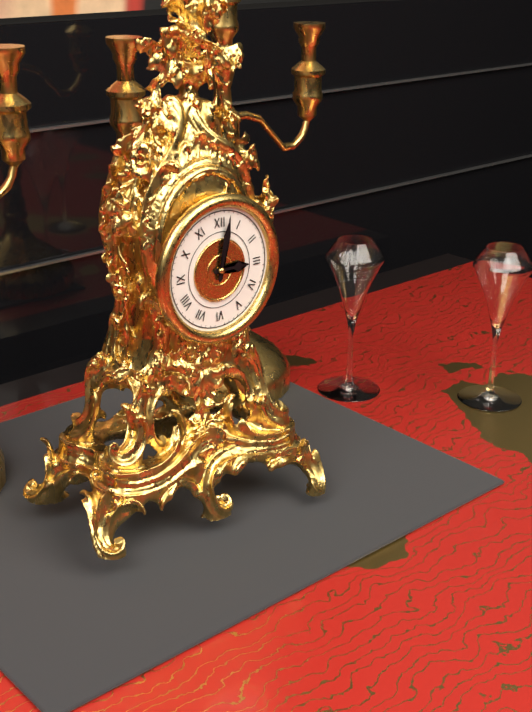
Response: 3:02
